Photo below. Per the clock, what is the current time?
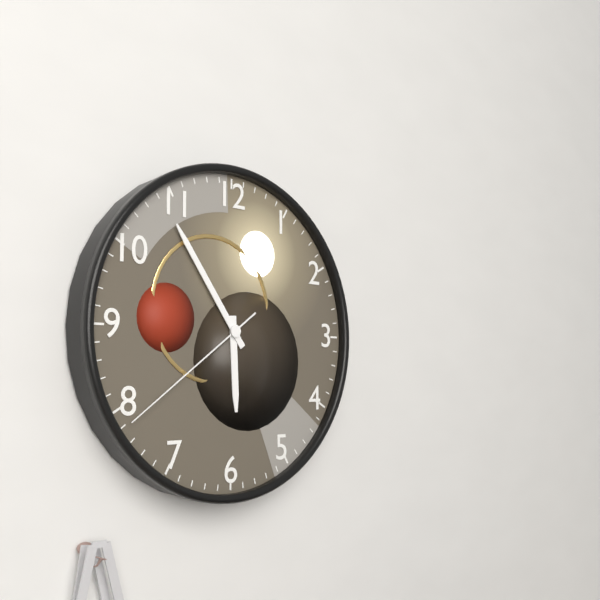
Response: 5:54:39
